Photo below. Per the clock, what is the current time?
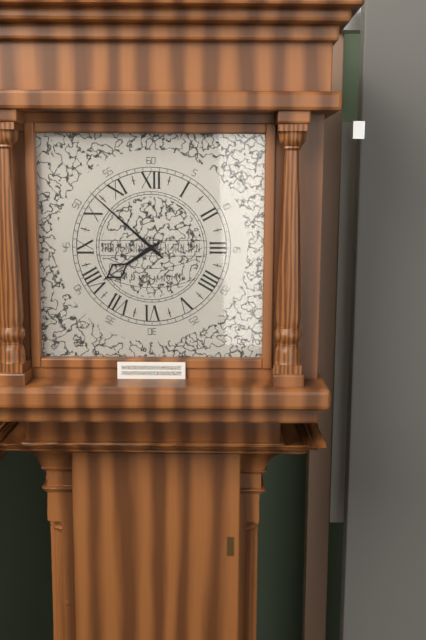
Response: 7:52
